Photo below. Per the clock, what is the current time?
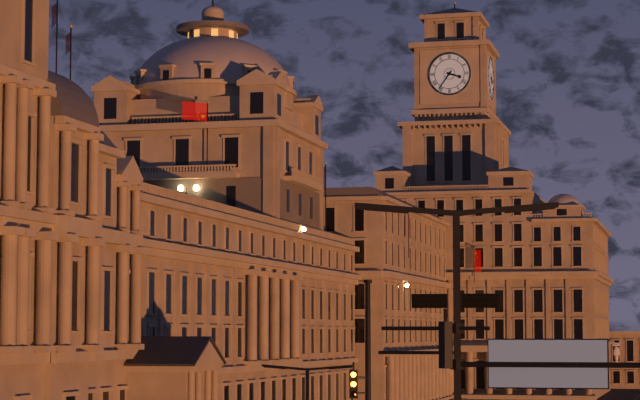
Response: 3:36
